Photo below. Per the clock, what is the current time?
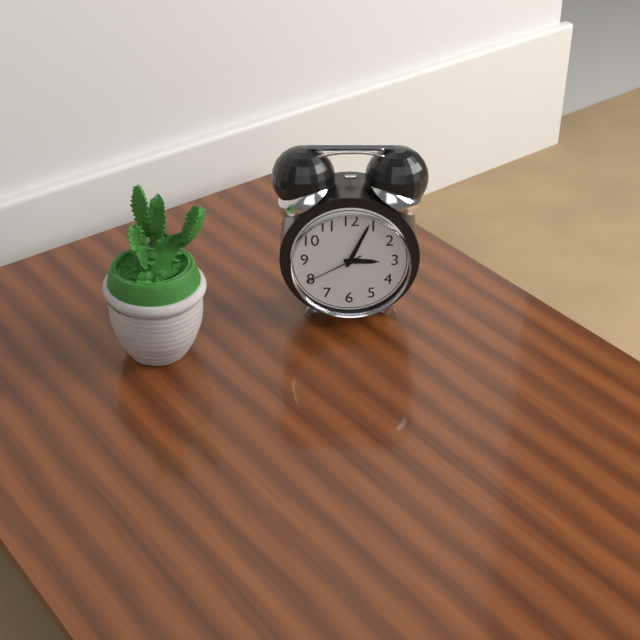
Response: 3:04:40
